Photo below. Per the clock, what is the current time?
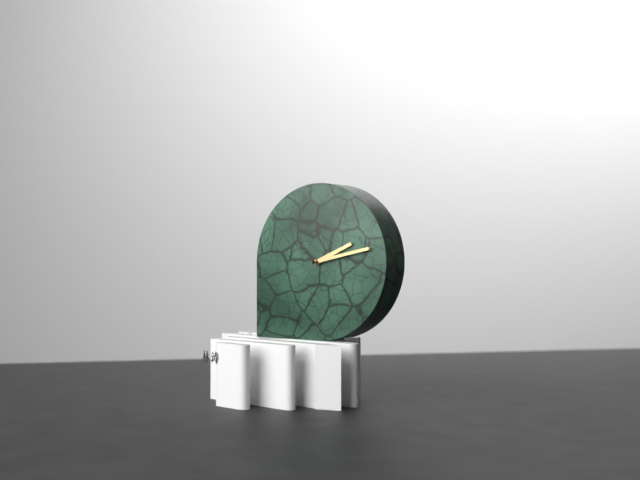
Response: 2:13
